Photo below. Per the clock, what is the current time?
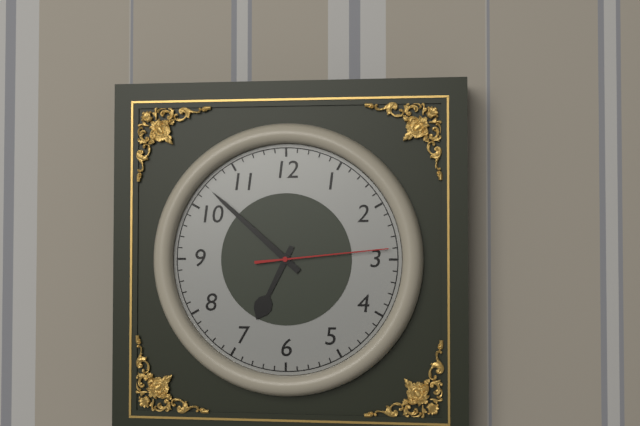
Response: 6:52:14
